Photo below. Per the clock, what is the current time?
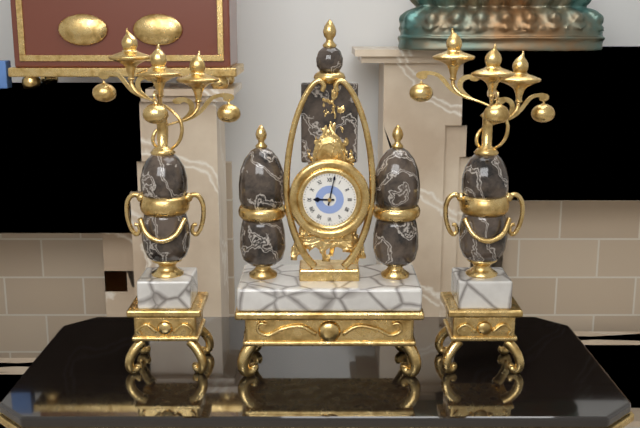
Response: 9:02
